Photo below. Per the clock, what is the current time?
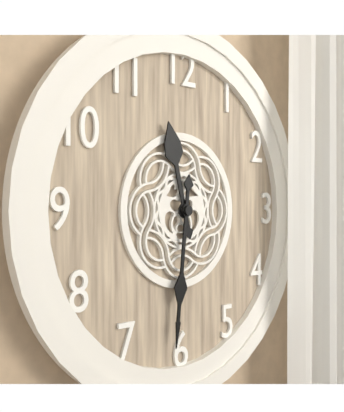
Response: 11:31
